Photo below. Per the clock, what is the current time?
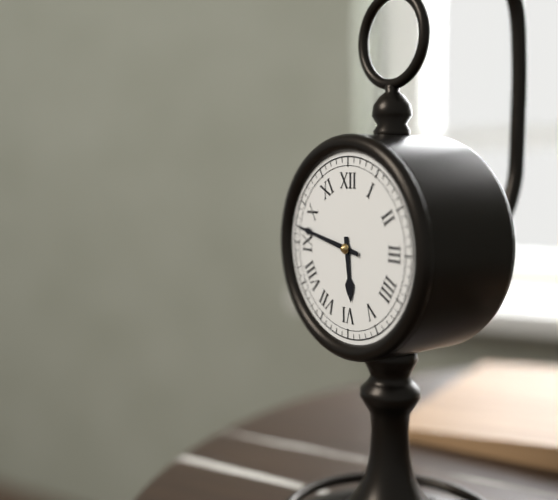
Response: 5:47
